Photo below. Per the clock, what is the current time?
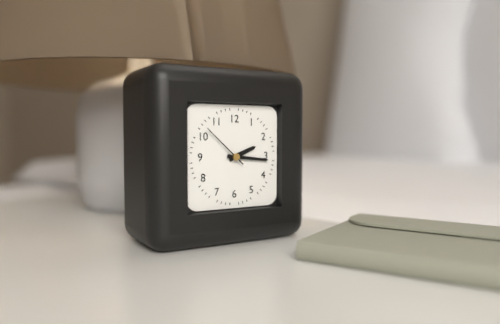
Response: 2:16:52
